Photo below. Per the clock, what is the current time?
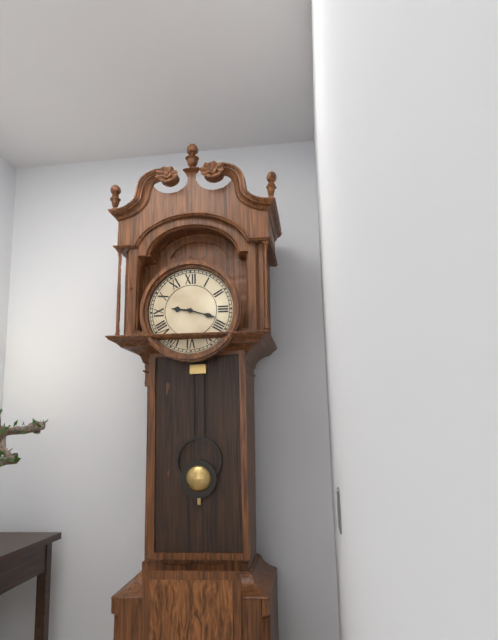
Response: 9:18
